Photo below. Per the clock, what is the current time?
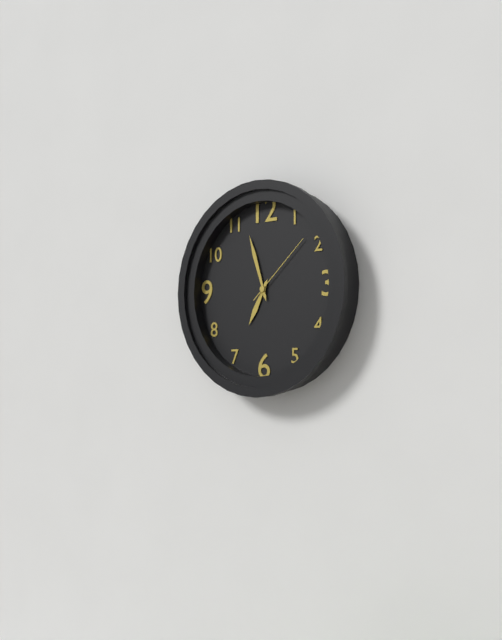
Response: 6:57:08
